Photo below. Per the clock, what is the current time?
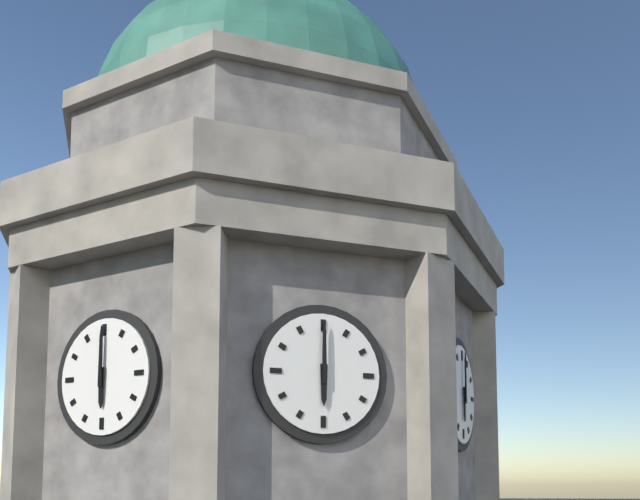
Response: 6:00
